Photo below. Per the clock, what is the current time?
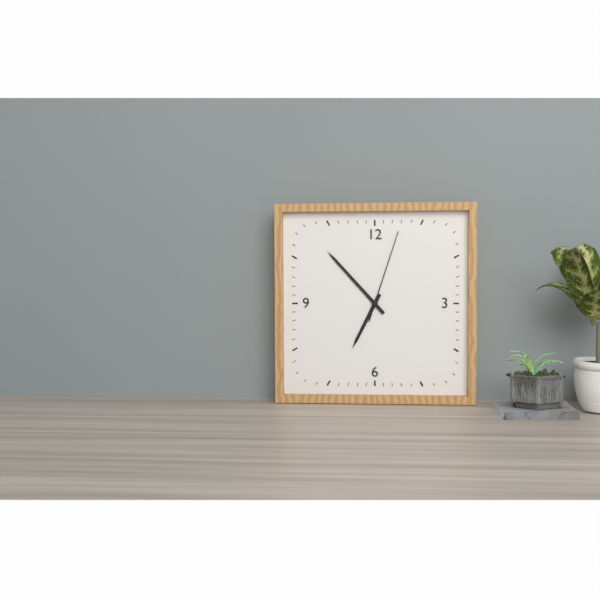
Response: 6:53:03
